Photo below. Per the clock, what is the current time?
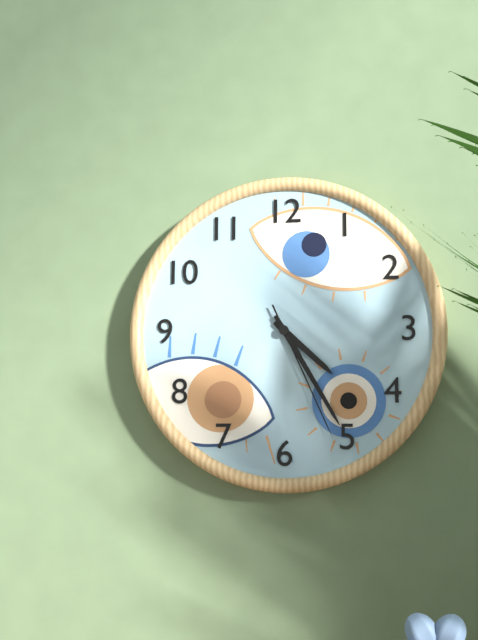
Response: 4:25:26
